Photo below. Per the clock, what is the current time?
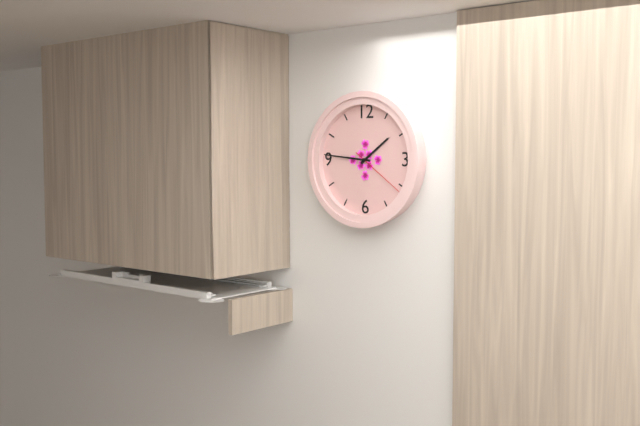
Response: 1:46:21
